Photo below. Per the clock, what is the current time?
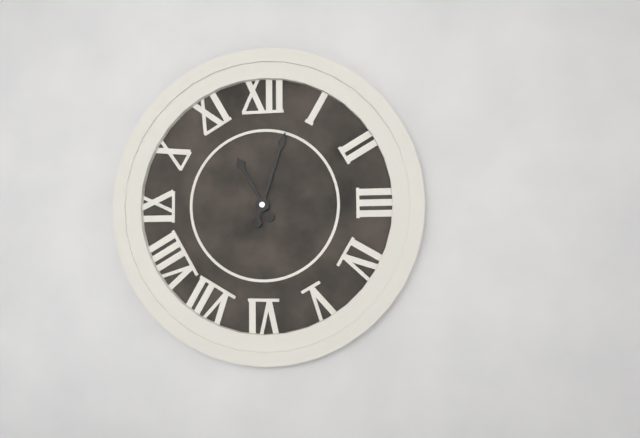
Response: 11:03
